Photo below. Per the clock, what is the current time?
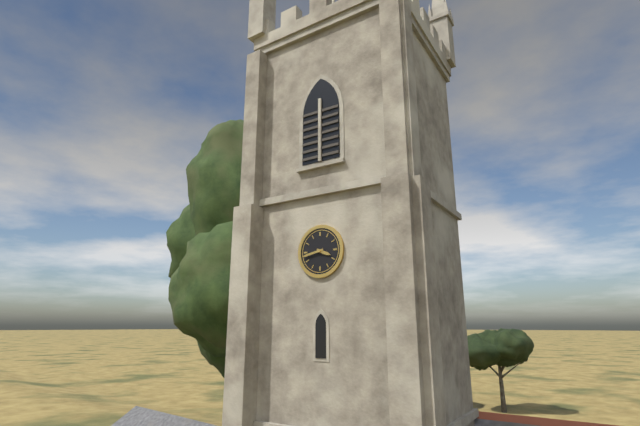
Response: 3:43
